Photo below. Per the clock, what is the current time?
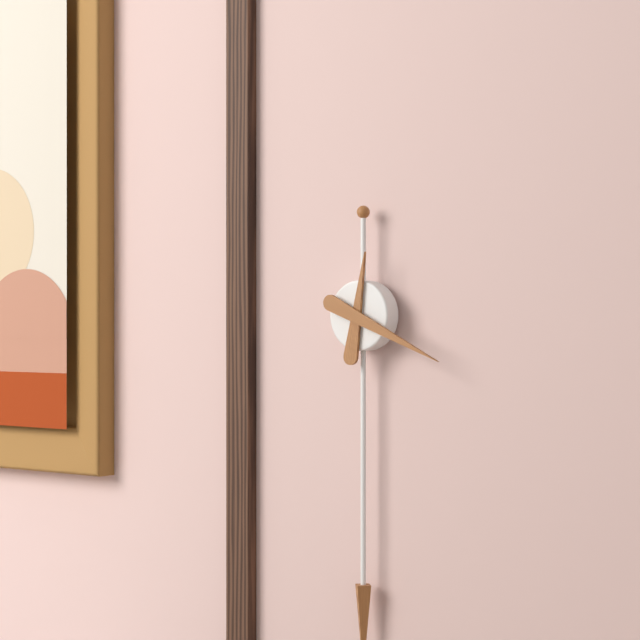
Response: 12:19
